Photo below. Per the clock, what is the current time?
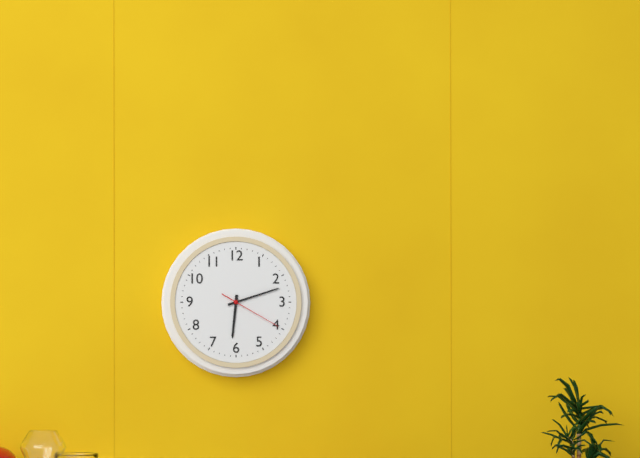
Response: 6:12:20
